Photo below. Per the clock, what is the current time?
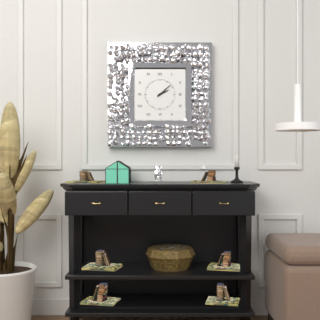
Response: 2:08
